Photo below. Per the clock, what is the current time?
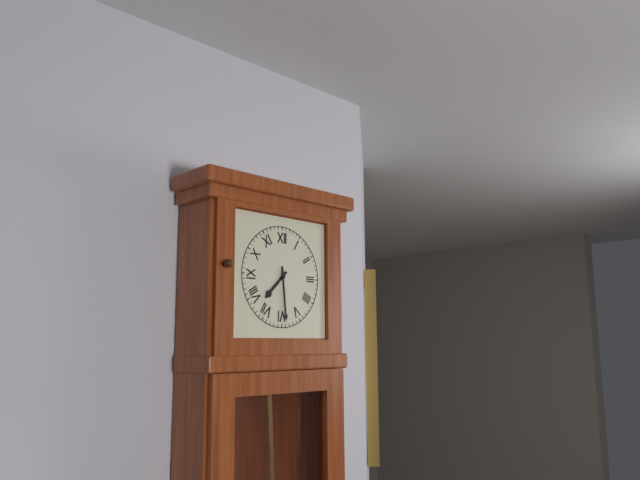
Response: 7:29
